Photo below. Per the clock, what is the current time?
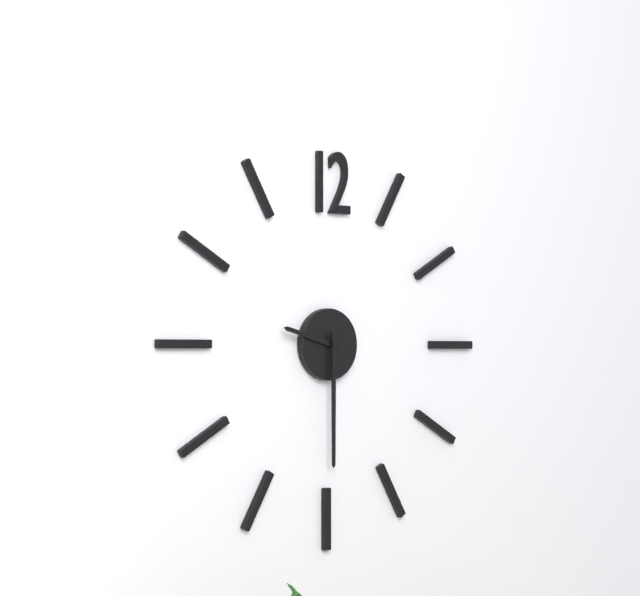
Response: 9:30
